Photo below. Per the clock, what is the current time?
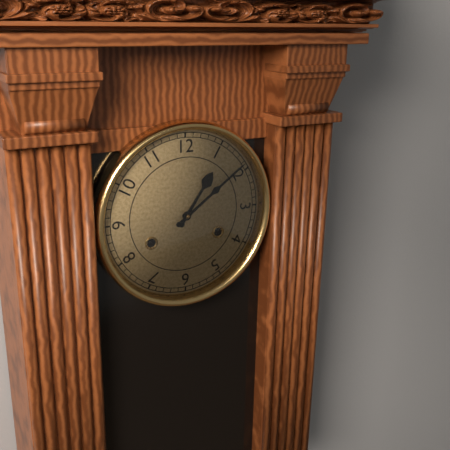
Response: 1:09
